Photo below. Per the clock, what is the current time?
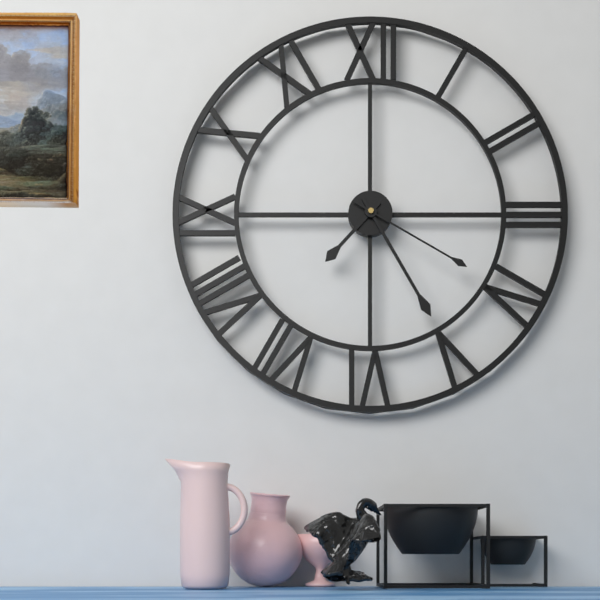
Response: 7:25:20
